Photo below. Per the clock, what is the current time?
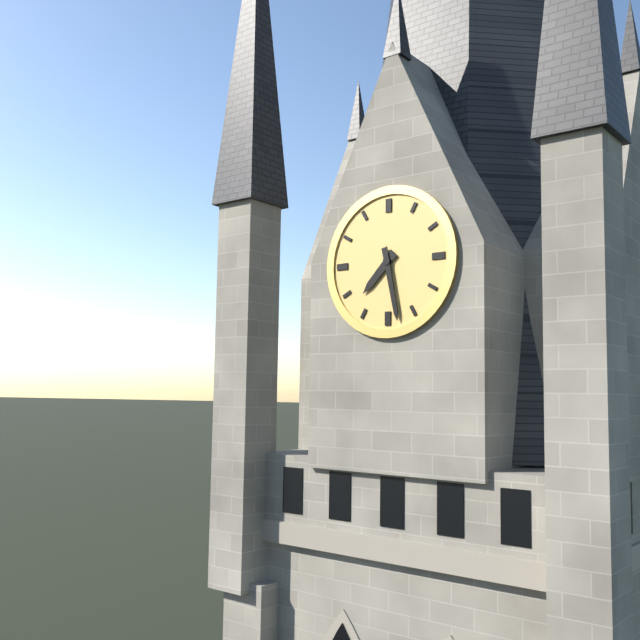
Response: 7:28
